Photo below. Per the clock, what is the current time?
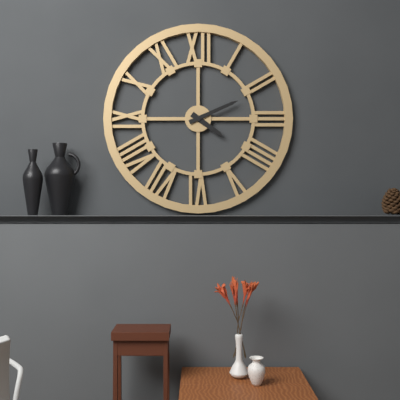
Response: 4:11
